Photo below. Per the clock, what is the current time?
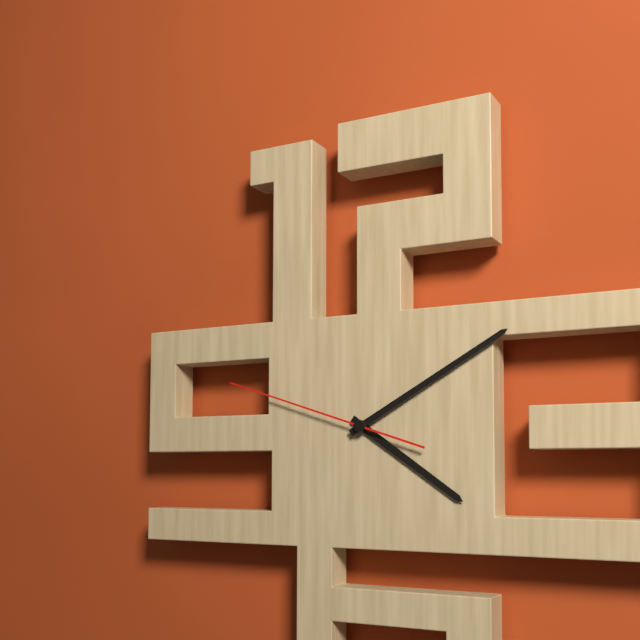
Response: 4:10:48
